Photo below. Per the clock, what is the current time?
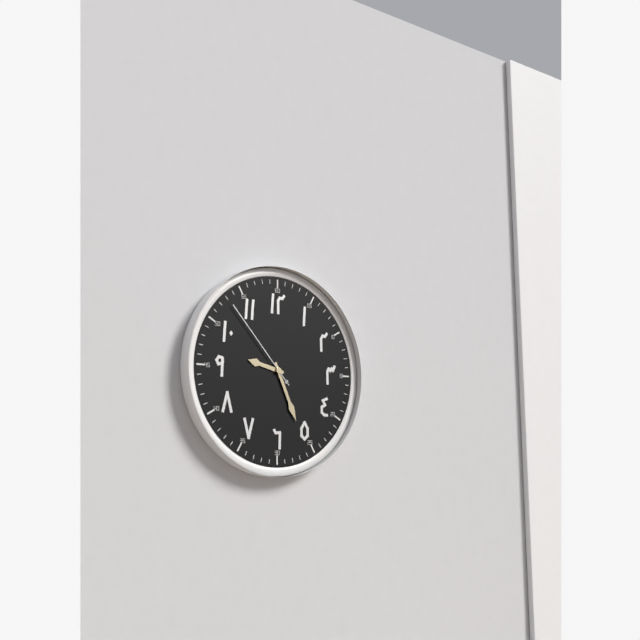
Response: 9:26:53
